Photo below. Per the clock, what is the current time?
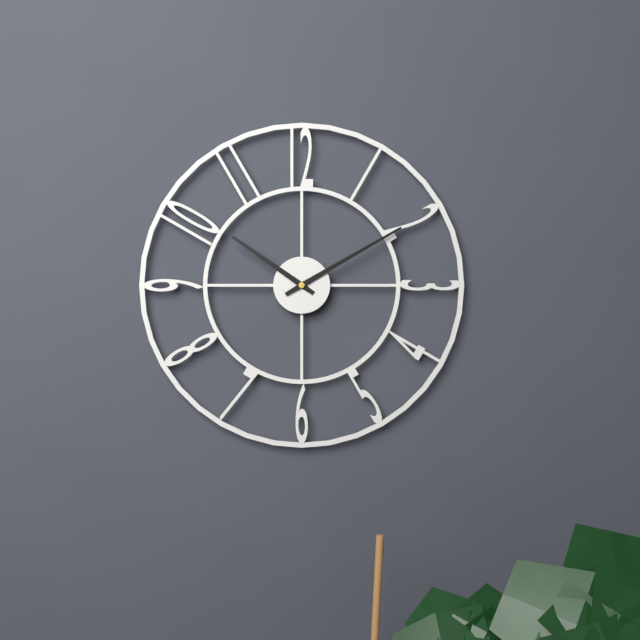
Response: 10:10
